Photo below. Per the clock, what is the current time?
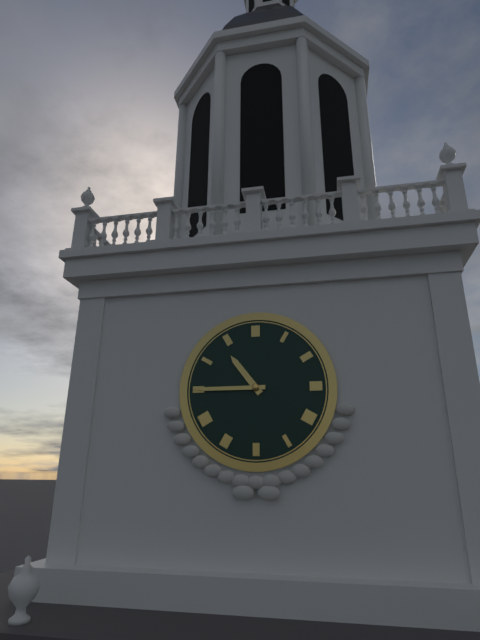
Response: 10:45
